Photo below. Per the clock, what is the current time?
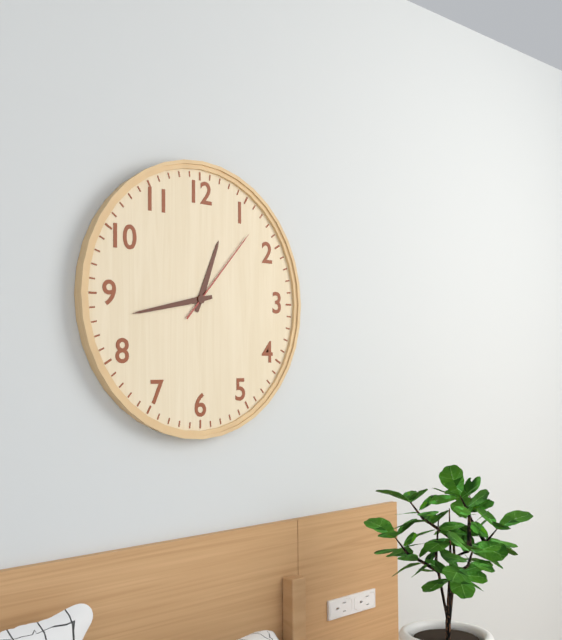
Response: 12:43:07
